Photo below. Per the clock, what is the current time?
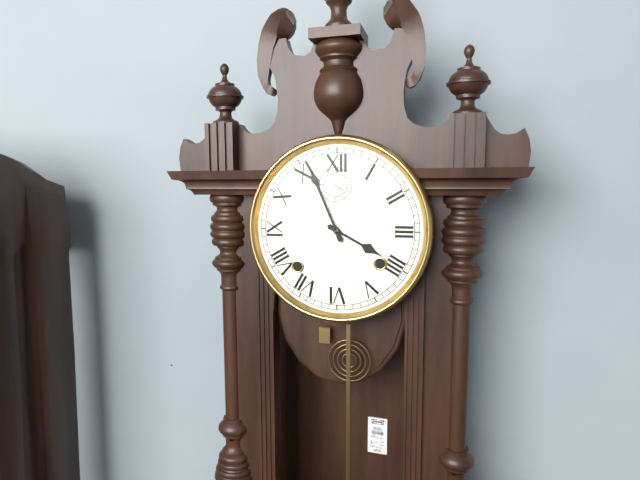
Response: 3:56
